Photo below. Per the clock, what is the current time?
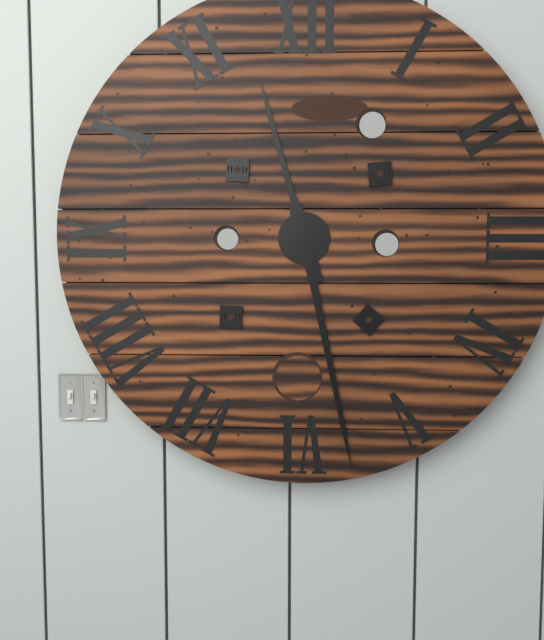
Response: 11:28
